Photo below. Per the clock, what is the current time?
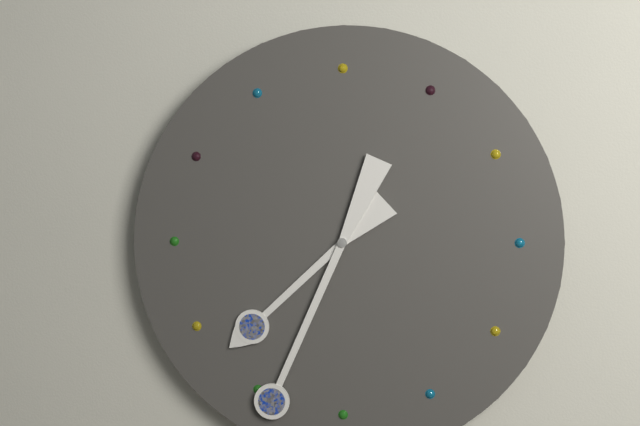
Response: 7:34
